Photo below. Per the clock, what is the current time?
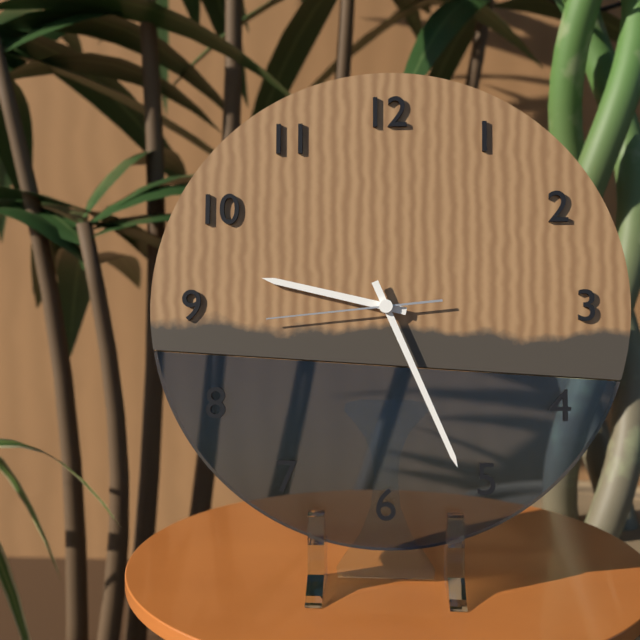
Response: 9:26:44
